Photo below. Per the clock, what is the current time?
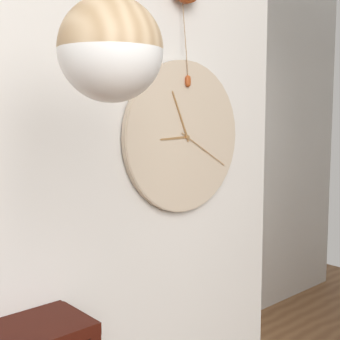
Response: 8:56:20
